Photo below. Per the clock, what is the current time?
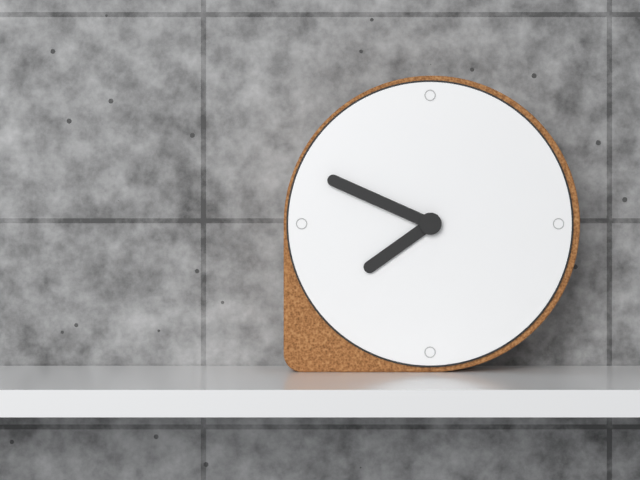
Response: 7:49
